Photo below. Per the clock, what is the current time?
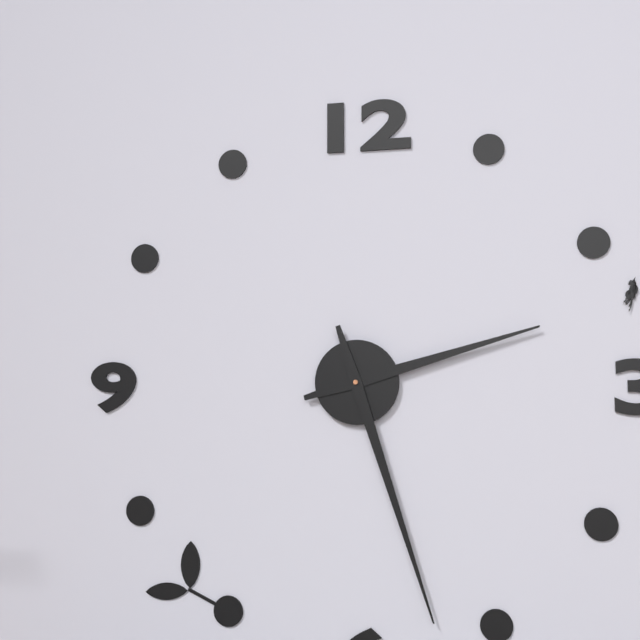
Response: 2:27
